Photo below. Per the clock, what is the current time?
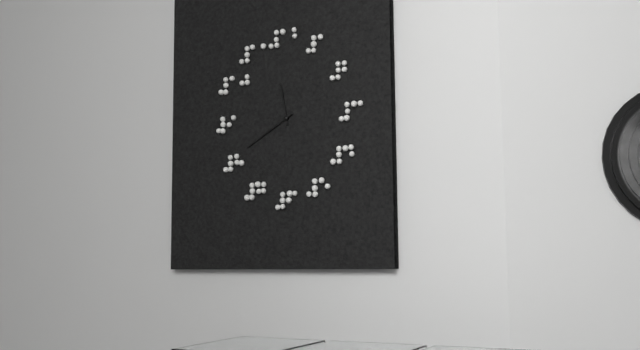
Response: 11:40
